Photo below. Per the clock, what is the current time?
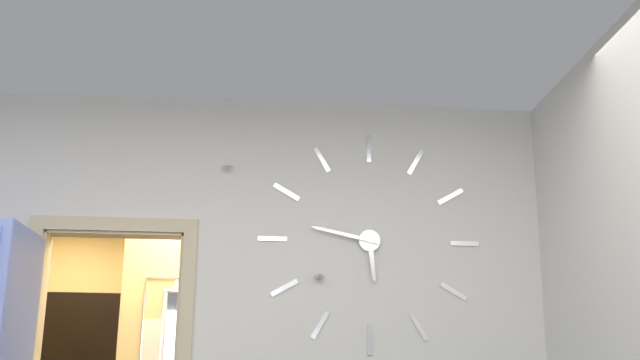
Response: 5:47
